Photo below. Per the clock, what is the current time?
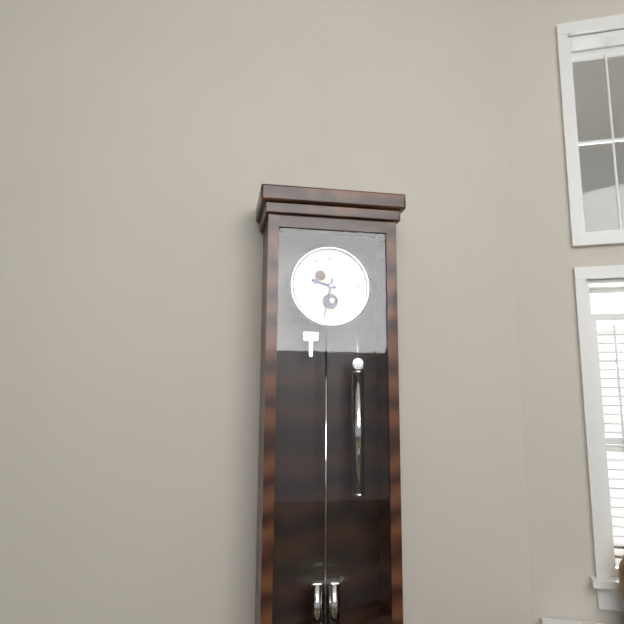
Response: 9:32
